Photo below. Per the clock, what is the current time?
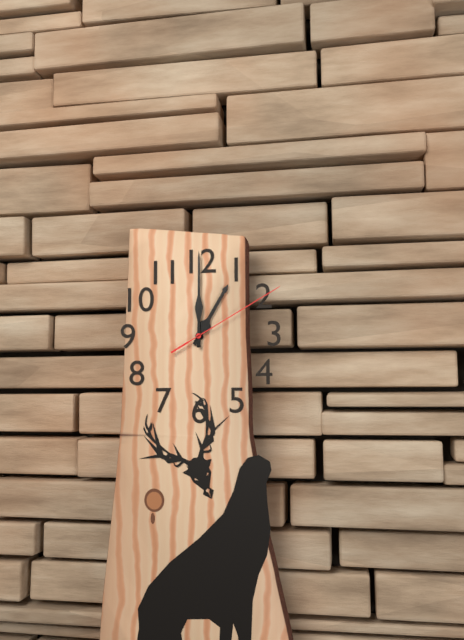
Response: 1:00:10
